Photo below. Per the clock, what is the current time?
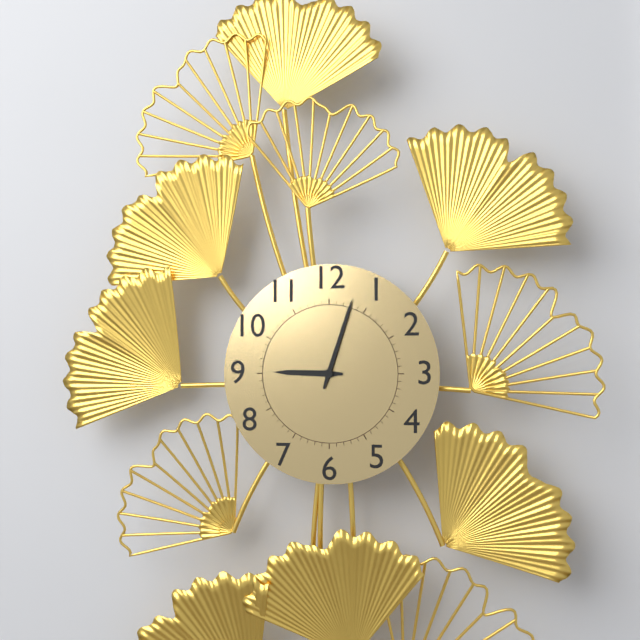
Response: 9:03
